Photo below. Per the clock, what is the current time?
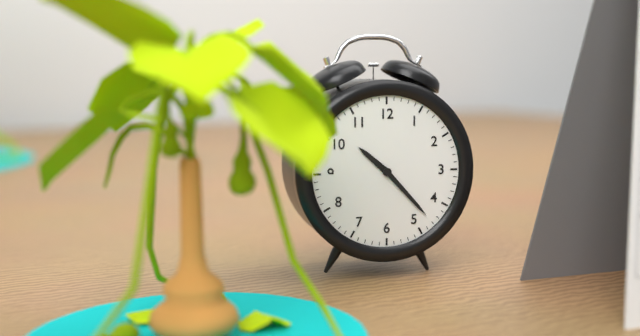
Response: 10:23
